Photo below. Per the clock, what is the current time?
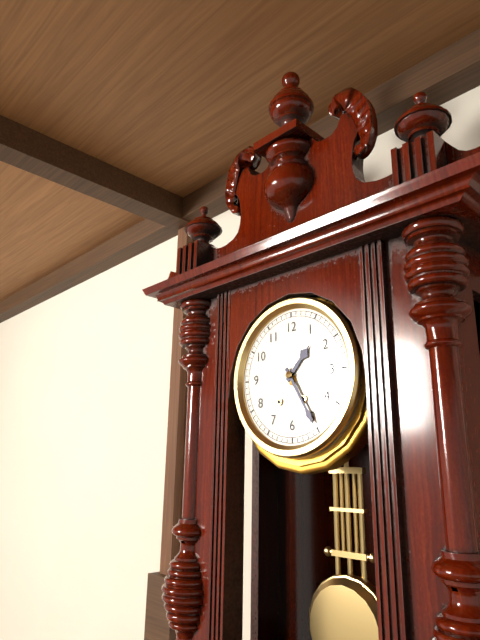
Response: 1:25
